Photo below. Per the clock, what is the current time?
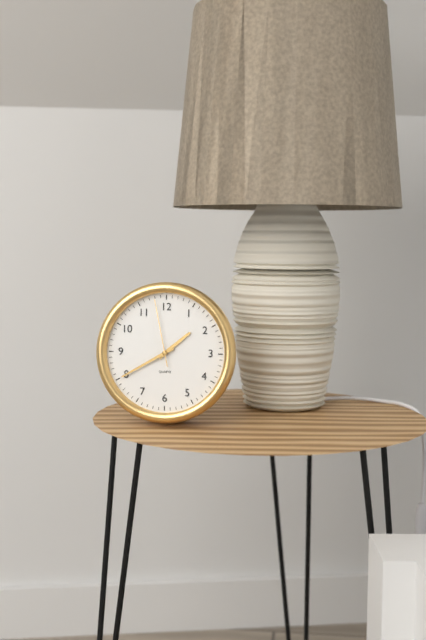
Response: 1:40:58
